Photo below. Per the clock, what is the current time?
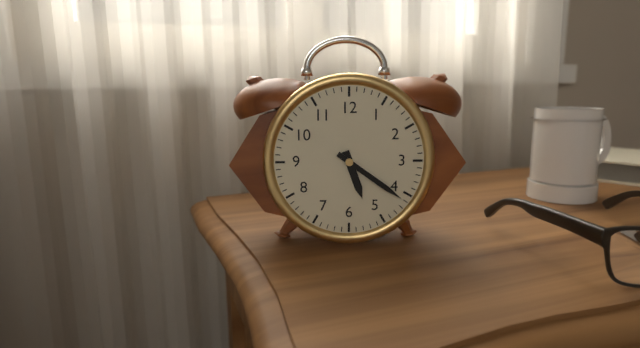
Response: 5:21
